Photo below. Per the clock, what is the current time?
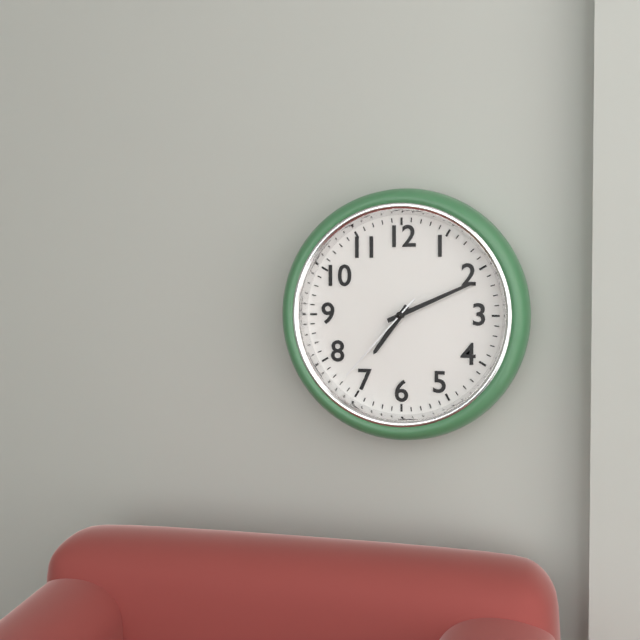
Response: 7:11:37
